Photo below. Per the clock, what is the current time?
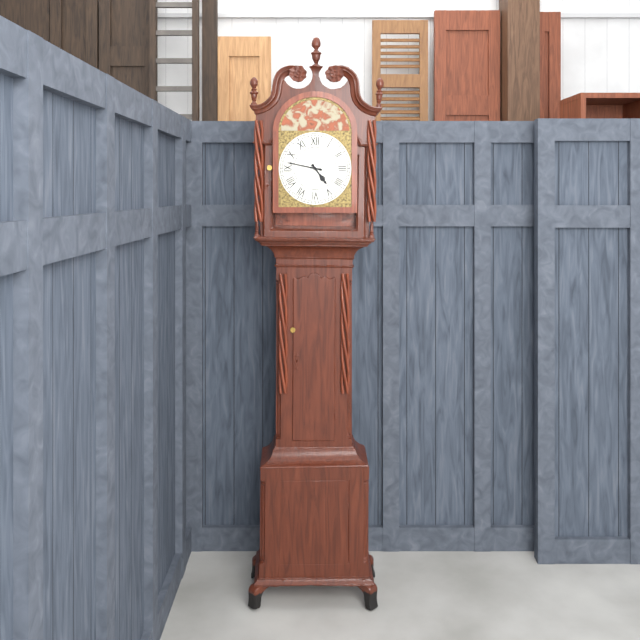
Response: 4:47
